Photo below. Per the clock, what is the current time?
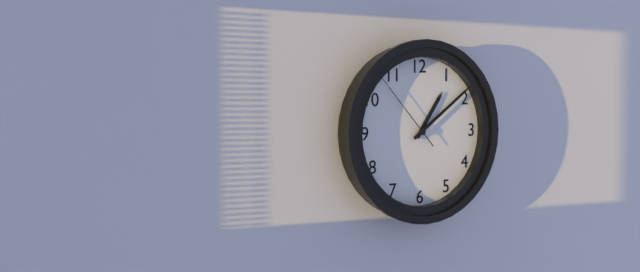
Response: 1:09:53
